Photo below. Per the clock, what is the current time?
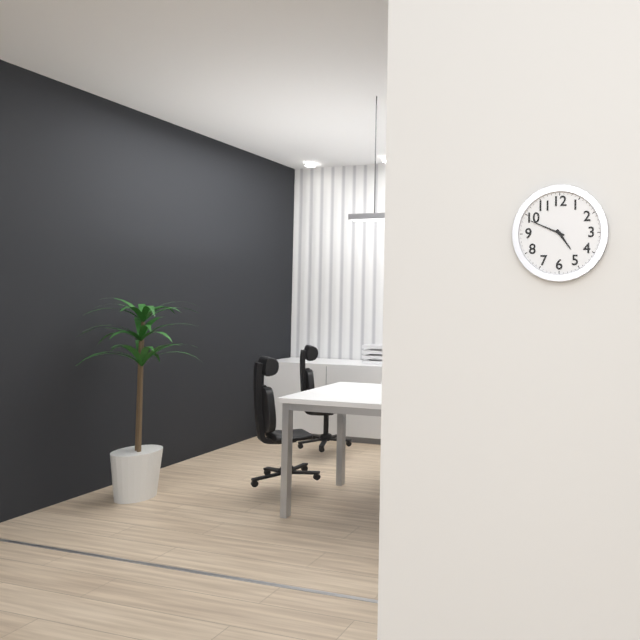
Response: 4:49
